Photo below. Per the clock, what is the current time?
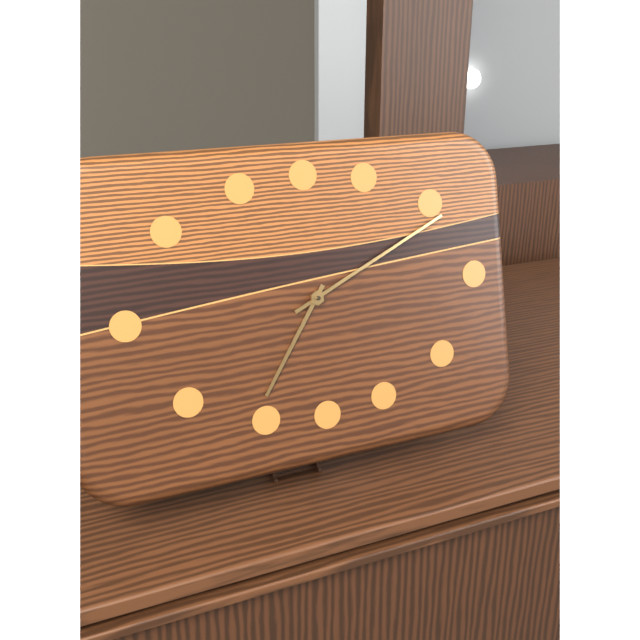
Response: 7:11
